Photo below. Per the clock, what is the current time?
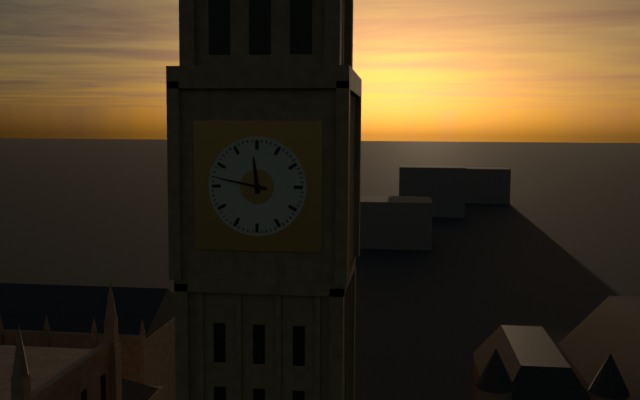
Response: 11:47
